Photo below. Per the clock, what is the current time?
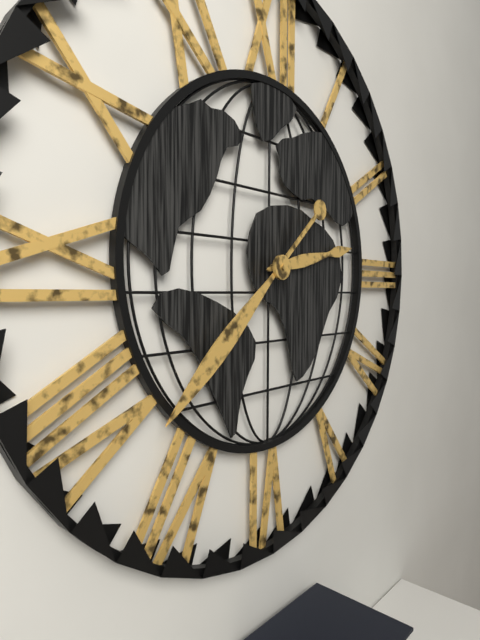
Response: 2:38
